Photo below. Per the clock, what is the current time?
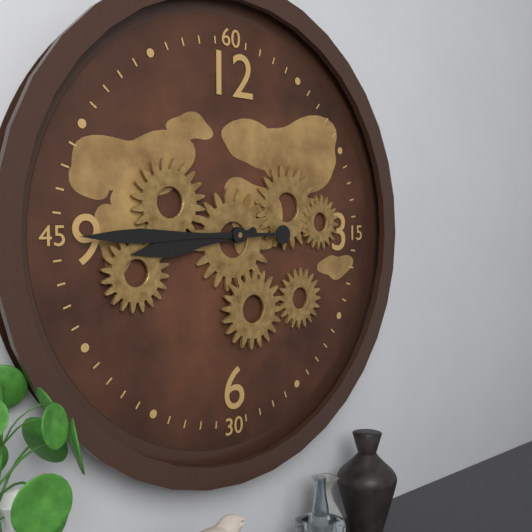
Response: 8:45
